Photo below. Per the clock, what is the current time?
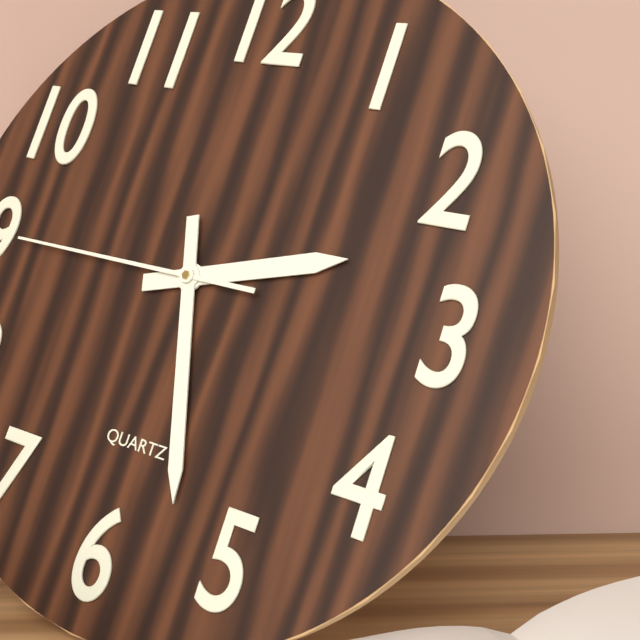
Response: 2:27:45
